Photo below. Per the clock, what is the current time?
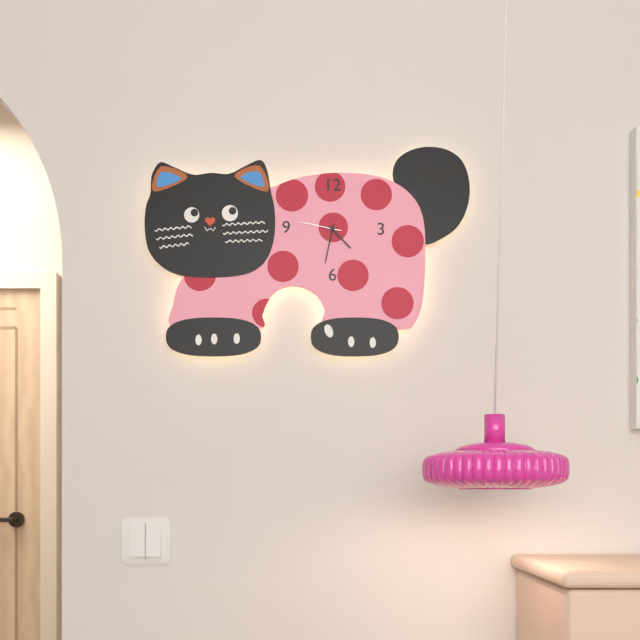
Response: 4:32
